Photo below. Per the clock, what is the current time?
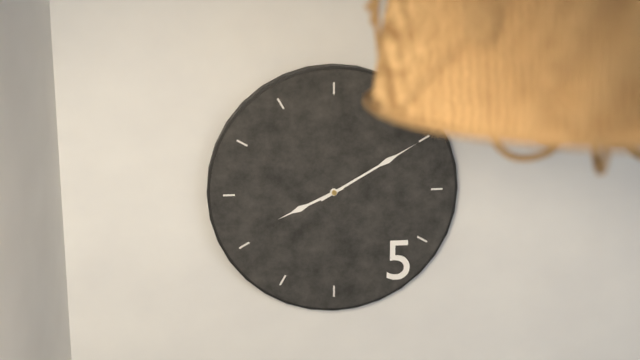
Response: 8:10
